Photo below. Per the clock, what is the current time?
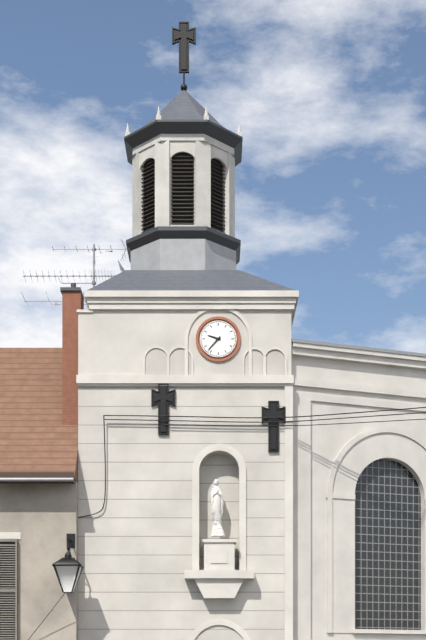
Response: 9:37
